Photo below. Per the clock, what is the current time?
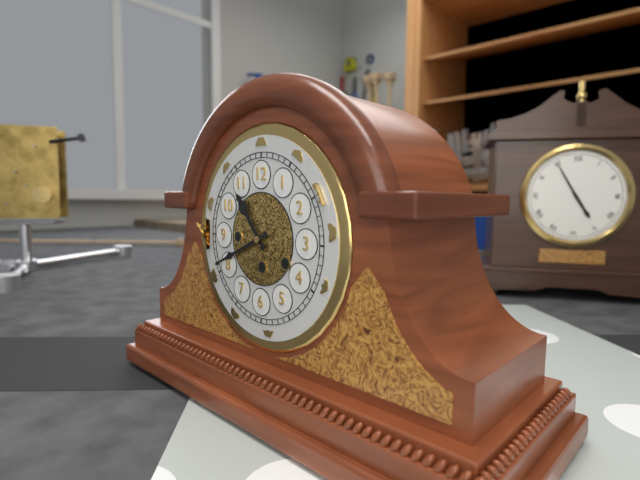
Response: 10:41
